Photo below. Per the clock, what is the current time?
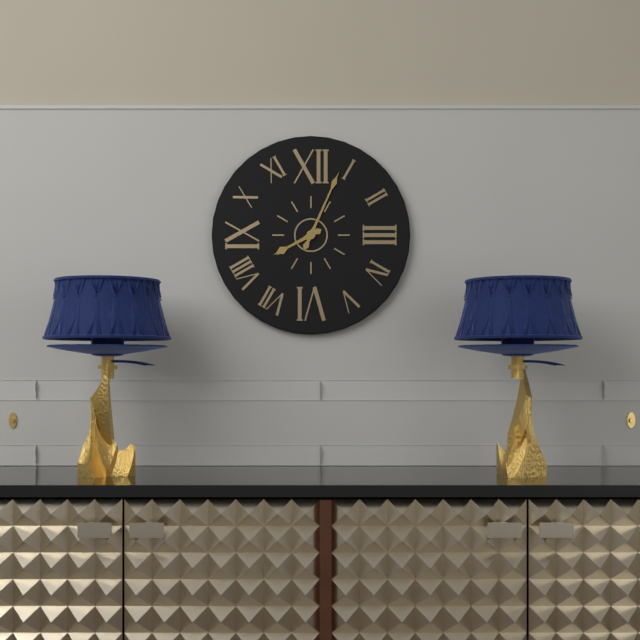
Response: 8:04
